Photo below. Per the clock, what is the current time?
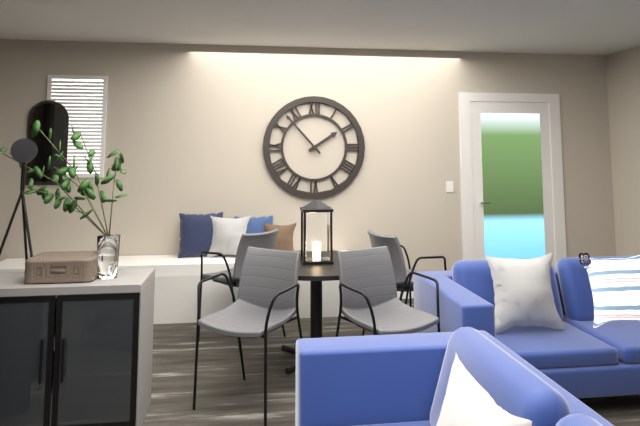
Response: 1:53
